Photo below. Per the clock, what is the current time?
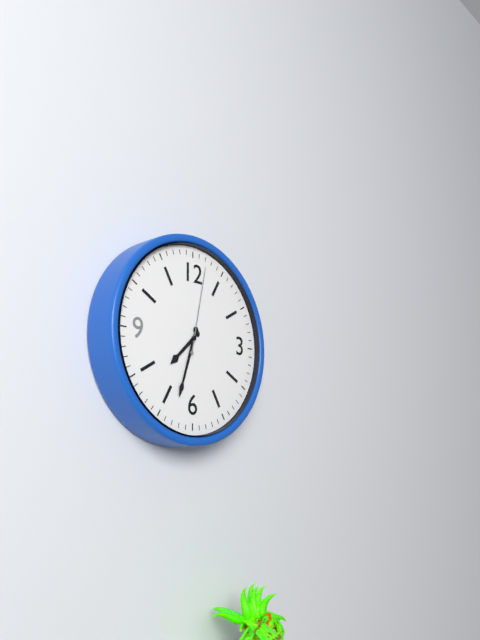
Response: 7:33:02
